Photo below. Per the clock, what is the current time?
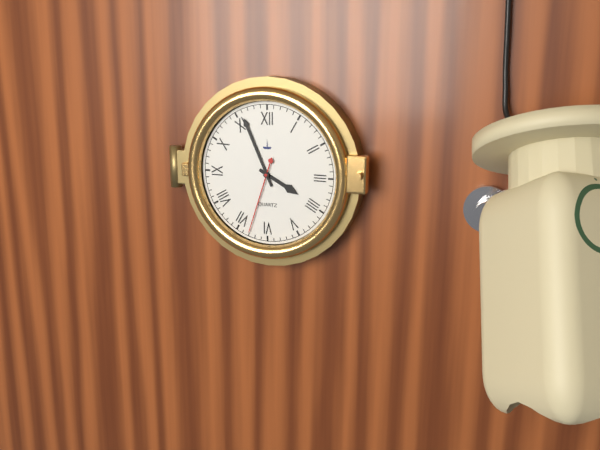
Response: 3:56:33
